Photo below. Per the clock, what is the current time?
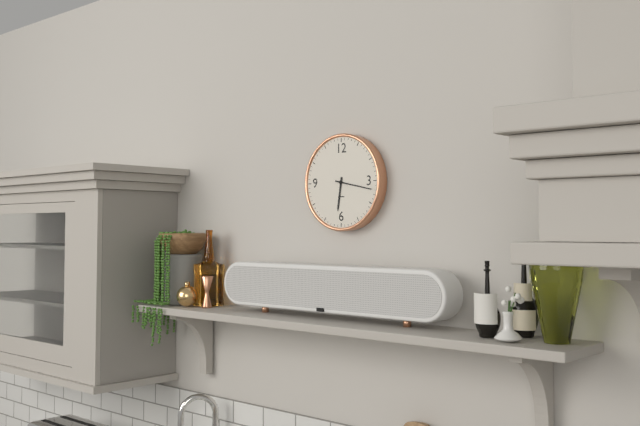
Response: 6:17
